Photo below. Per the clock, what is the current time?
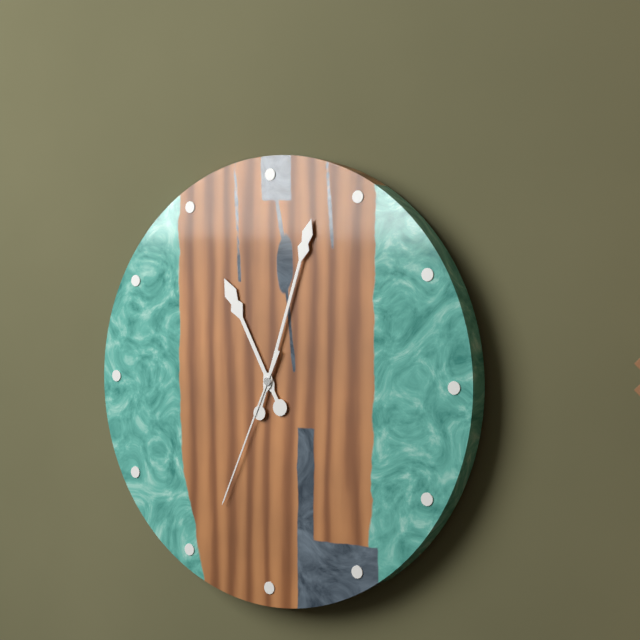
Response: 11:03:34
